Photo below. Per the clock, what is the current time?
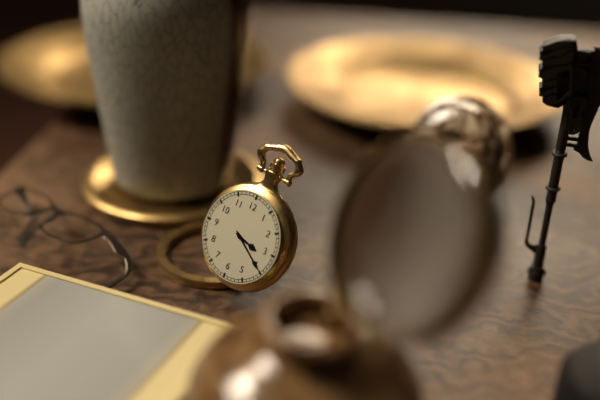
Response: 3:20
